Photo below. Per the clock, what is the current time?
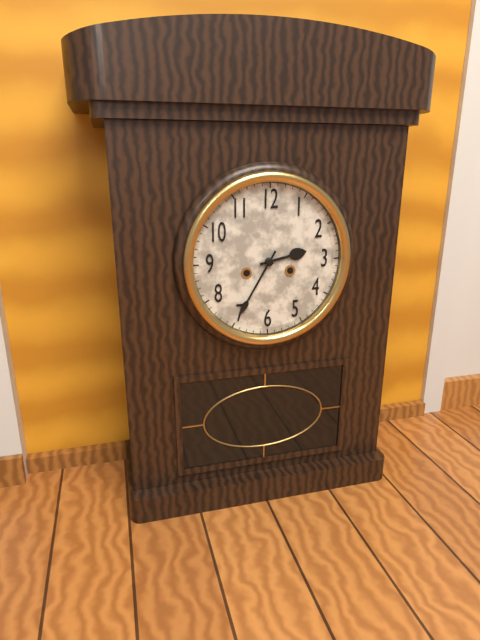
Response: 2:35
